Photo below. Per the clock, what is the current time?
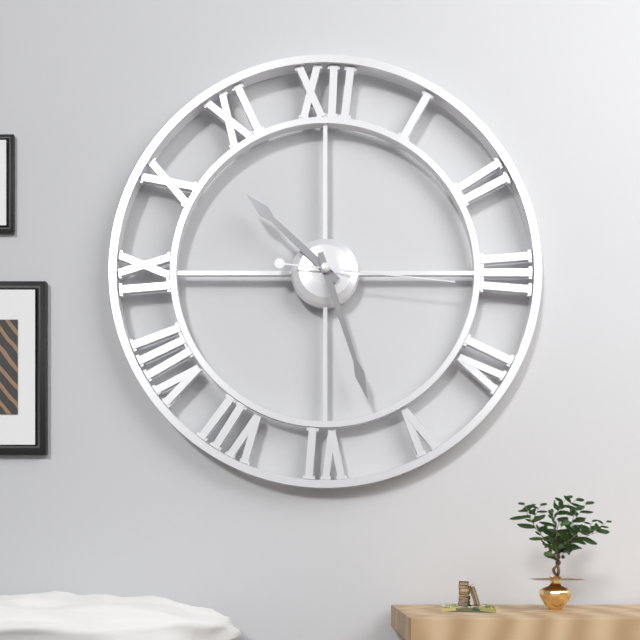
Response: 10:27:16
